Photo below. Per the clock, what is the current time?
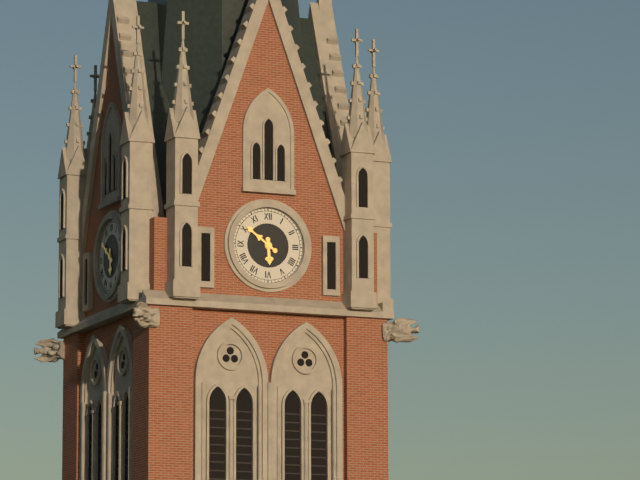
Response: 5:51
